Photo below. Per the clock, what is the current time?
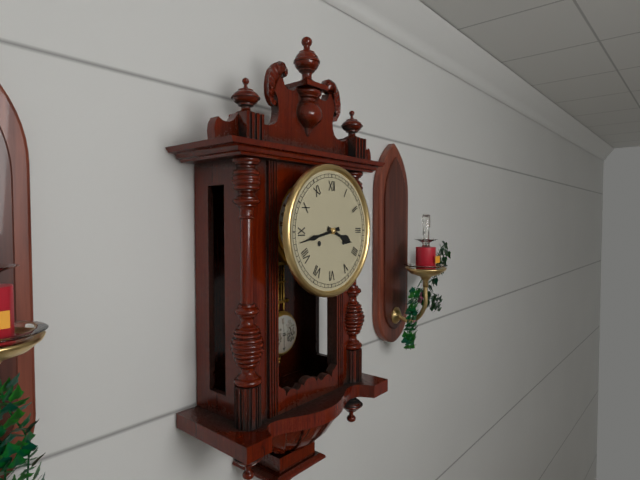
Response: 3:43
